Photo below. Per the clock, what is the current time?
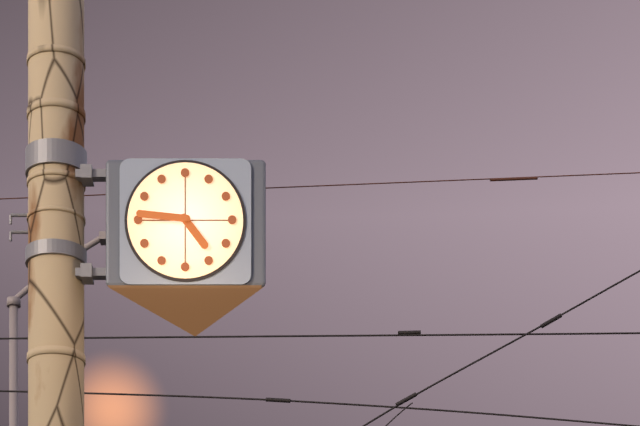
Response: 4:46
